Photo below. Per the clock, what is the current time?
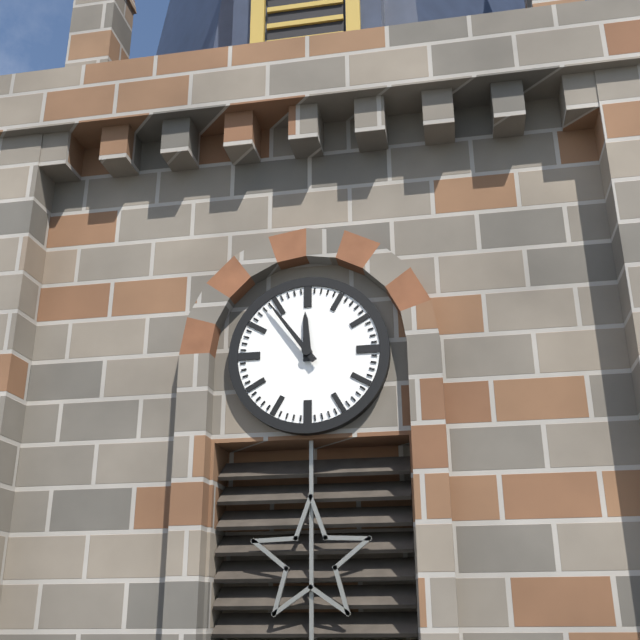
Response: 11:54
